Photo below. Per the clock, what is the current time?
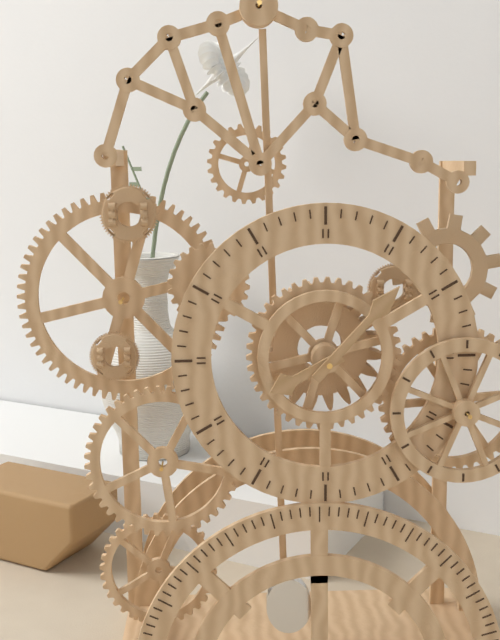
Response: 8:07
